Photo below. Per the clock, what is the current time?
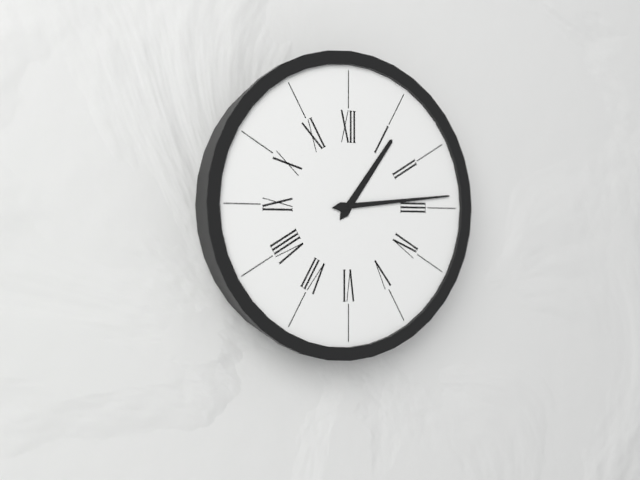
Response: 1:14
